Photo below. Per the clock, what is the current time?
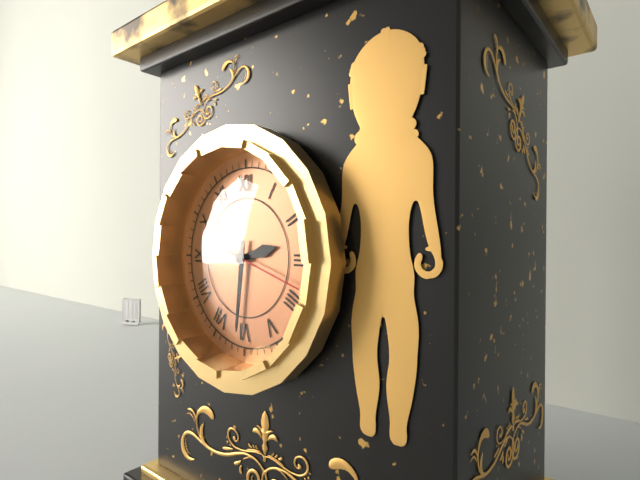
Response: 2:31:18
